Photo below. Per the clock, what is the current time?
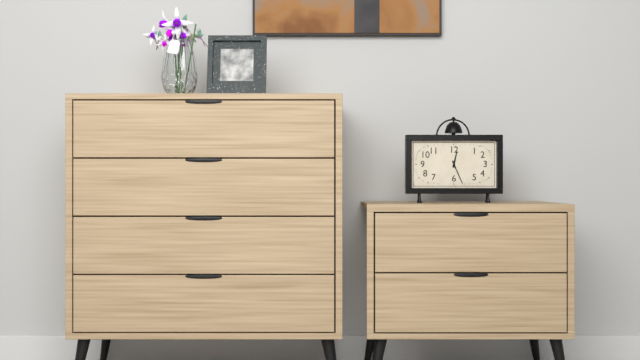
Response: 12:26
